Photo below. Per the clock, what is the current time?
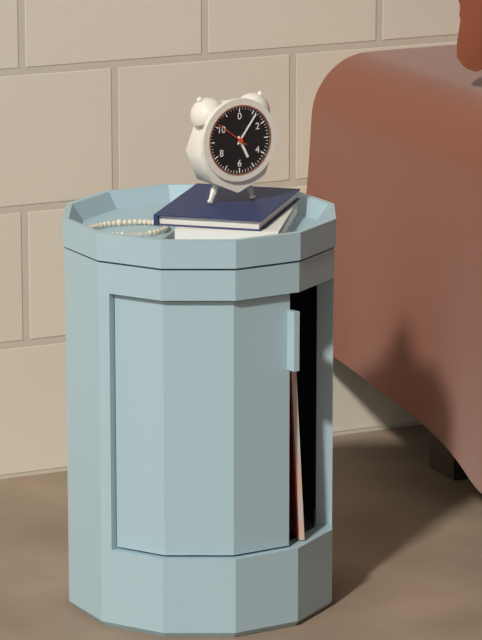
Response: 5:06
